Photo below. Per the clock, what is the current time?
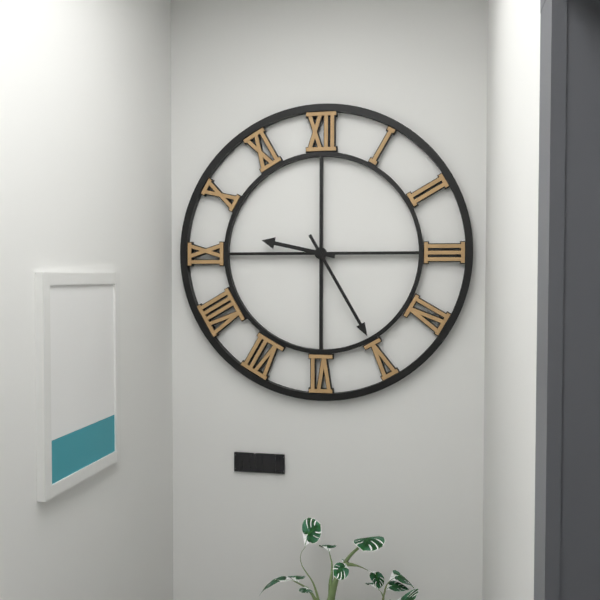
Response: 9:25
